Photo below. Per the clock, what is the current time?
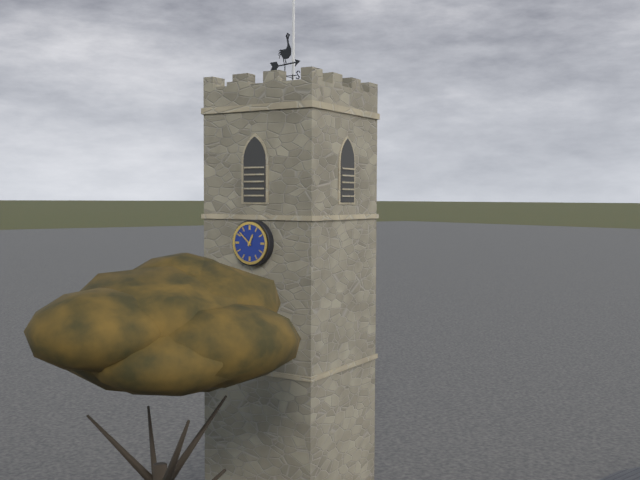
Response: 12:52
